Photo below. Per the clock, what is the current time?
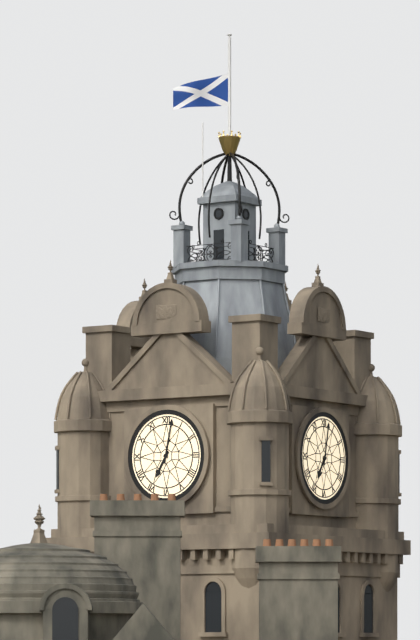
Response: 7:02
